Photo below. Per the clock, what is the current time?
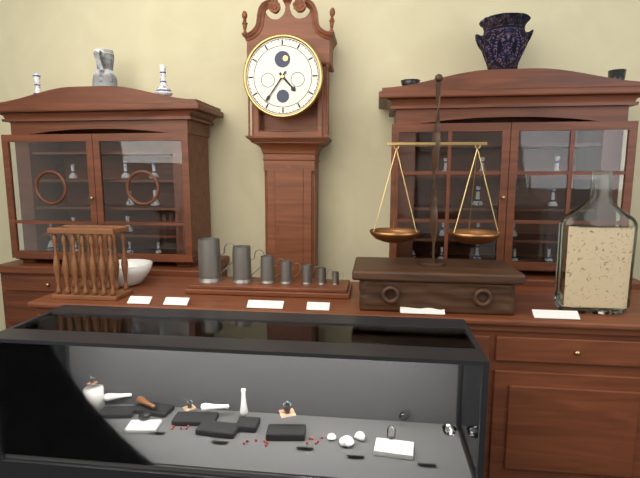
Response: 4:36
